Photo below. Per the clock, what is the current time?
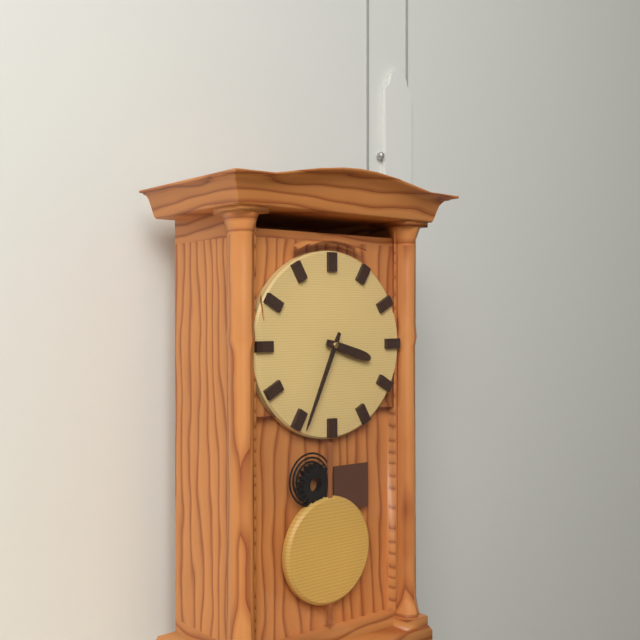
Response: 3:34
